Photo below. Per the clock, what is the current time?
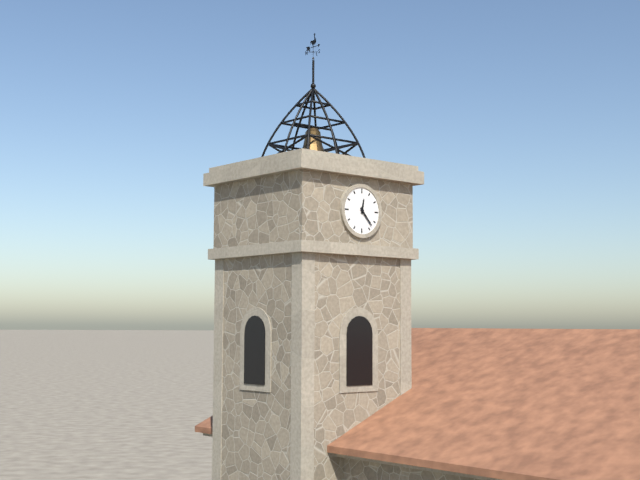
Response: 12:23
